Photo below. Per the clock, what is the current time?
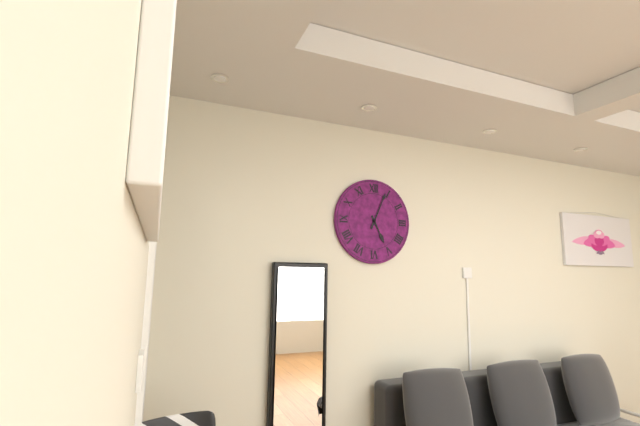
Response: 5:04
